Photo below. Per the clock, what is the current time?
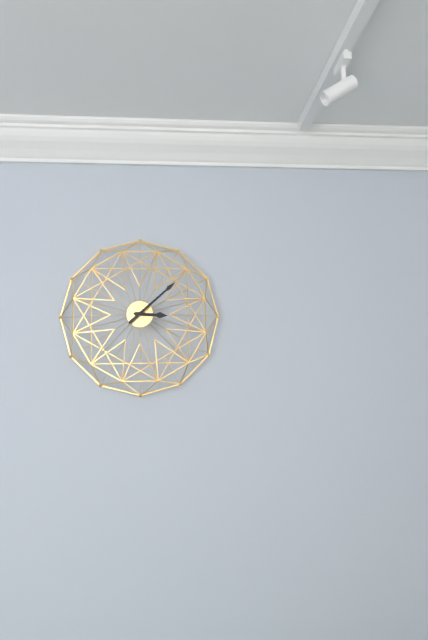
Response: 3:08
